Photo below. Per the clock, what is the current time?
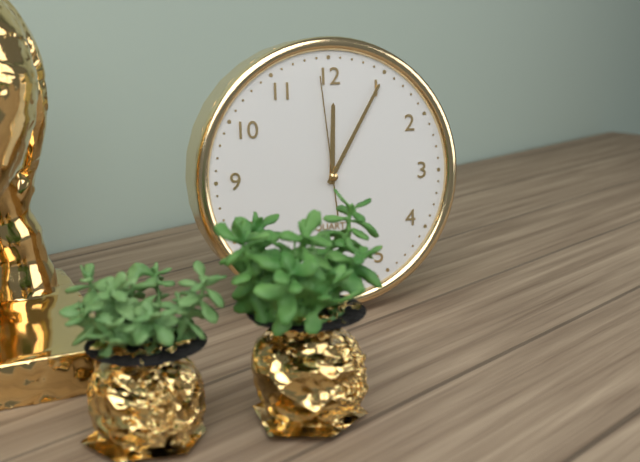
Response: 12:05:59
